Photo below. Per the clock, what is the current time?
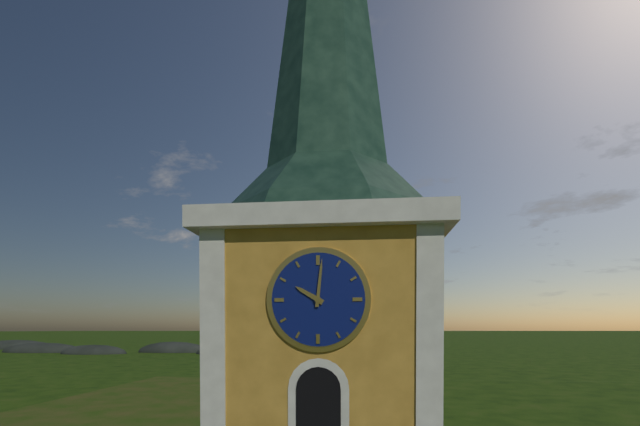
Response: 10:01
